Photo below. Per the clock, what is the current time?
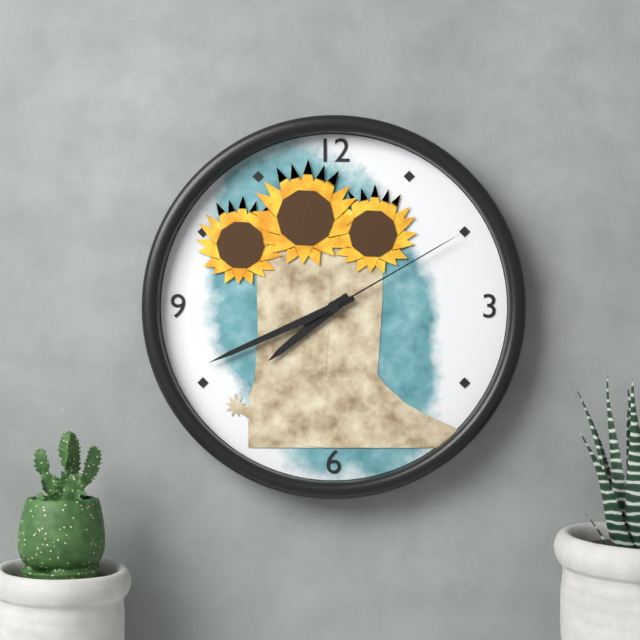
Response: 7:41:10
